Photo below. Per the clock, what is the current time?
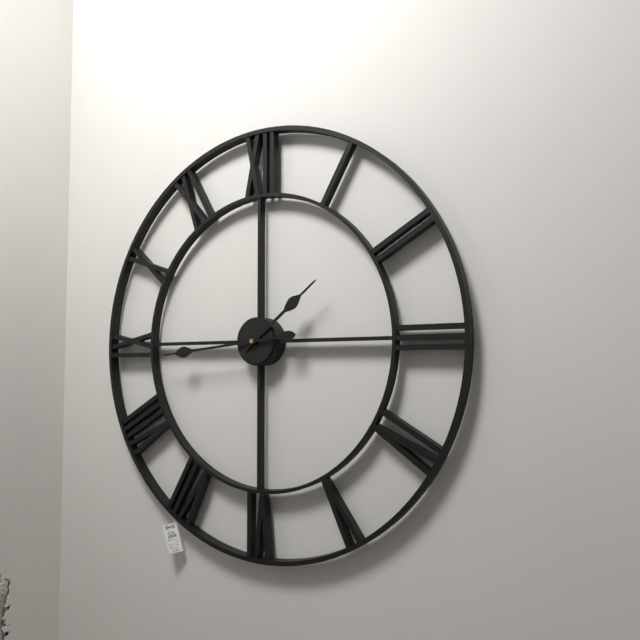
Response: 1:44
